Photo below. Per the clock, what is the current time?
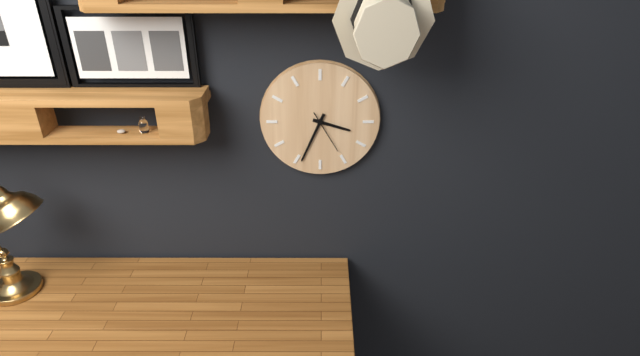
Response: 3:34
